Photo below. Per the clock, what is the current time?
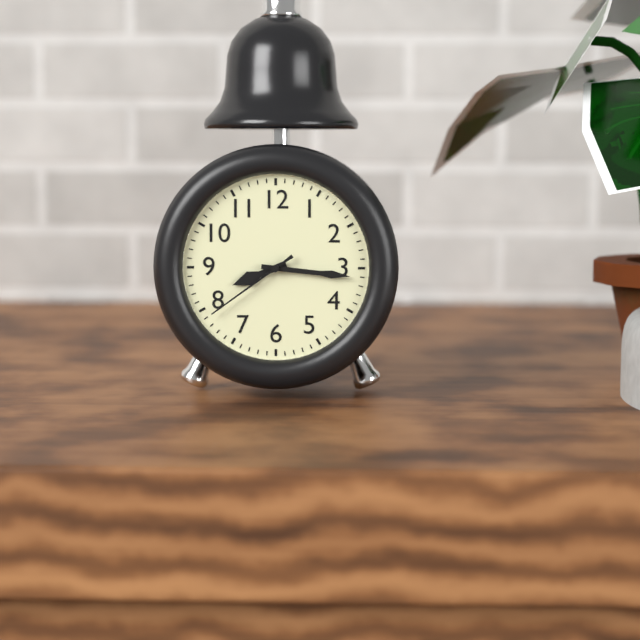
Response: 8:16:39
